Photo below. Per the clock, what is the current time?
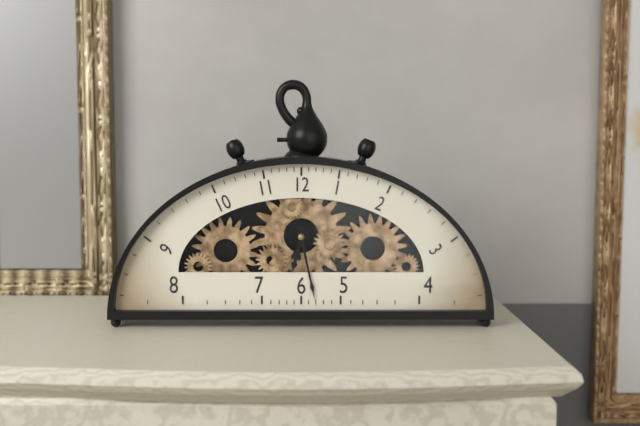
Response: 6:28
